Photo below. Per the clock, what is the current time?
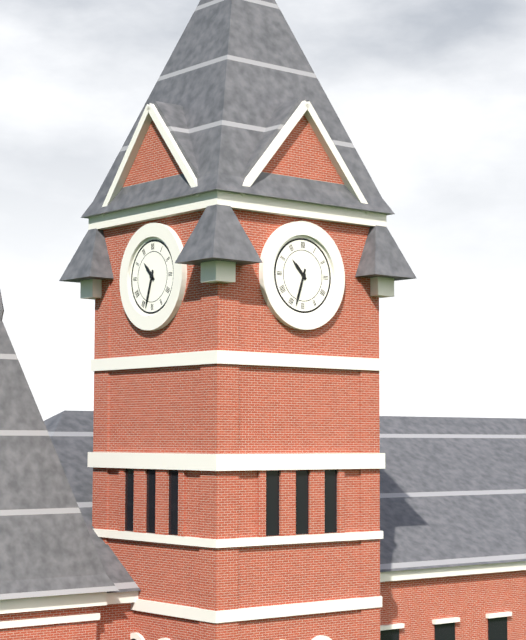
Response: 10:33
